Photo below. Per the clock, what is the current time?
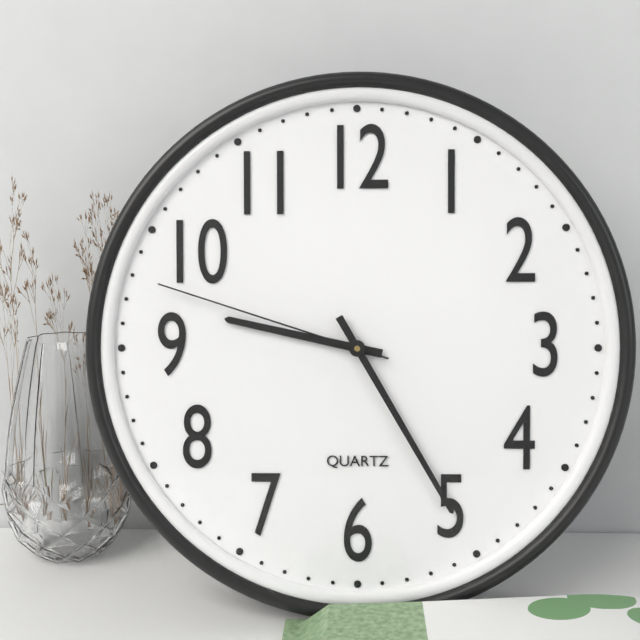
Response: 9:25:48
